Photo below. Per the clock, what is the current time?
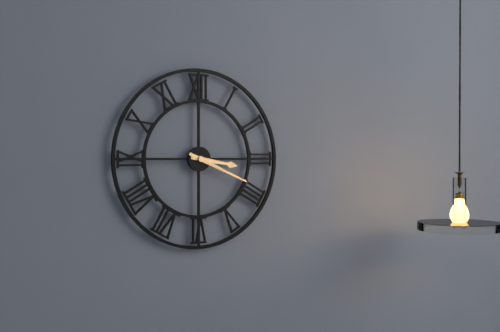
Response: 3:19
